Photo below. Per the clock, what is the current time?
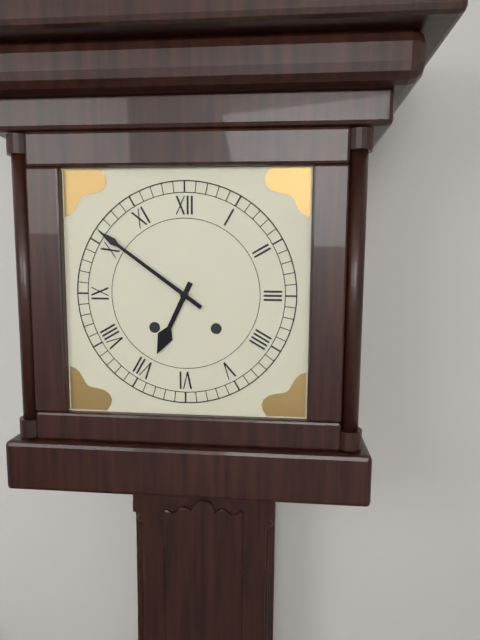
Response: 6:51
